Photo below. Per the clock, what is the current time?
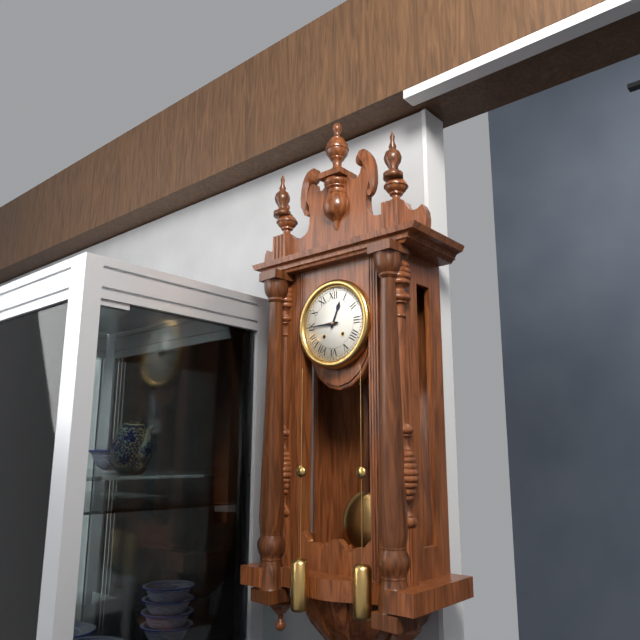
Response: 12:45
